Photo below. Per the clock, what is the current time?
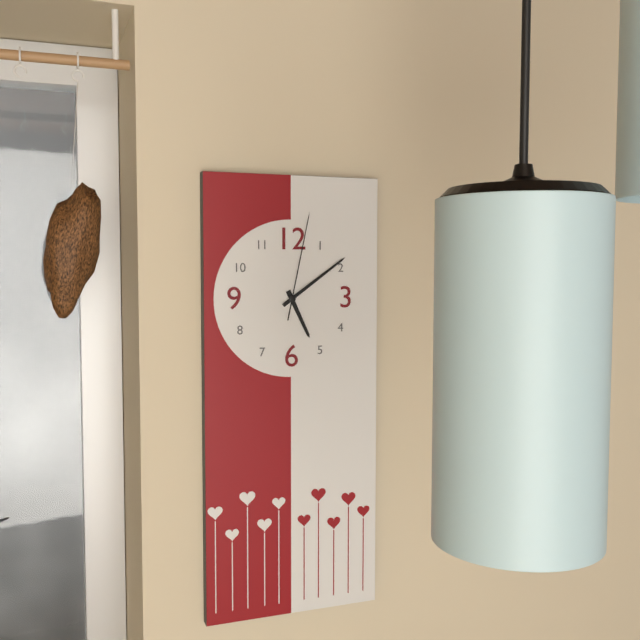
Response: 5:09:02
